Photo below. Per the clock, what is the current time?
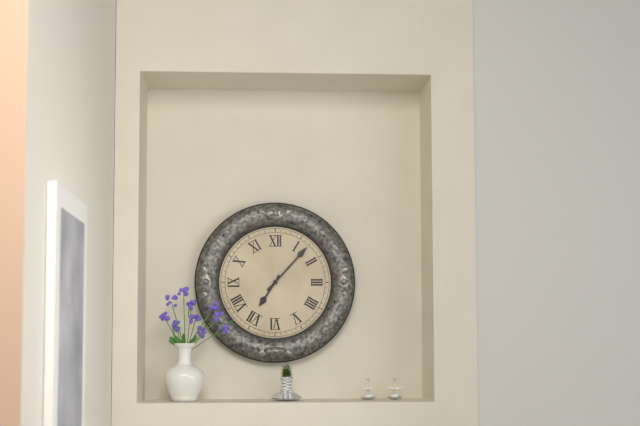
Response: 7:07
